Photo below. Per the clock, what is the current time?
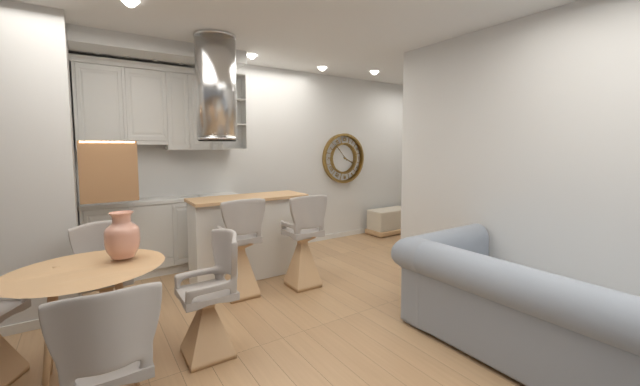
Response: 3:53
